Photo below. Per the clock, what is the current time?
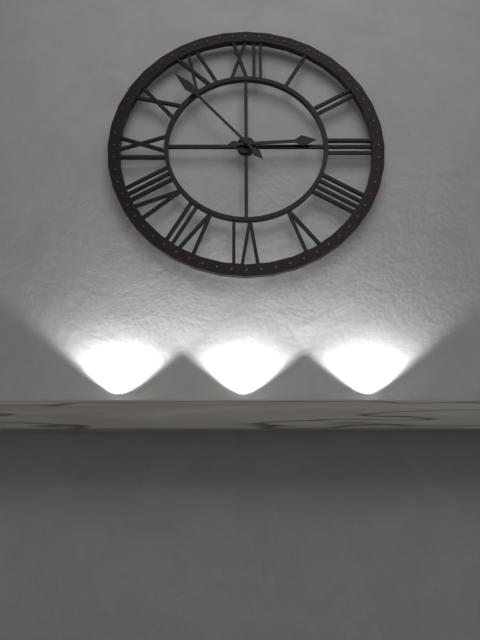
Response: 2:53
